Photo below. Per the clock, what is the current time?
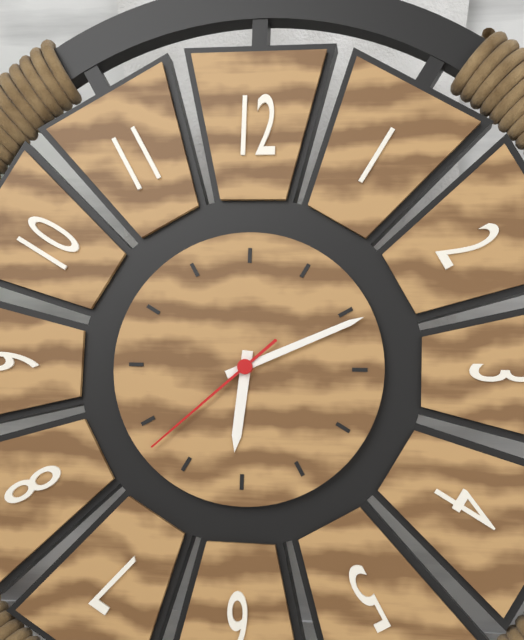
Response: 6:11:38
